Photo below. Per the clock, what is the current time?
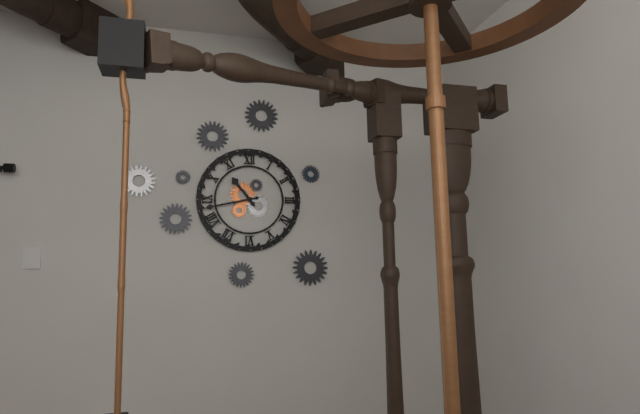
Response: 10:43
